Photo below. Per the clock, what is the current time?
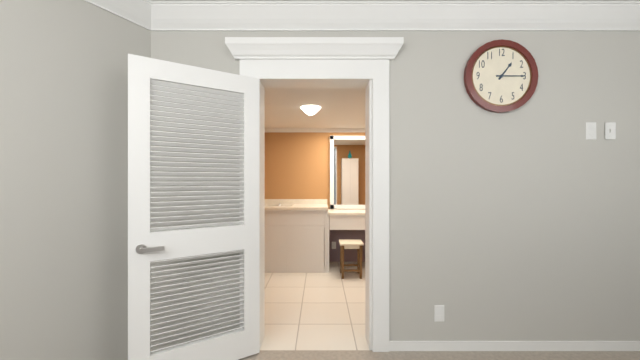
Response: 1:15
